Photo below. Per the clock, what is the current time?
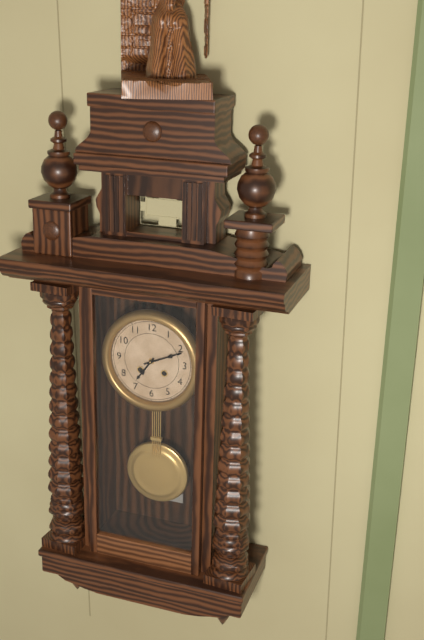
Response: 7:11
